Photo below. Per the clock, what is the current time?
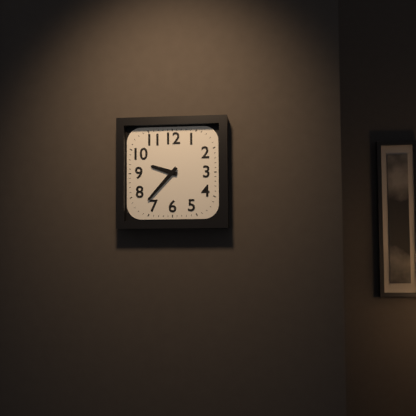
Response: 9:37
